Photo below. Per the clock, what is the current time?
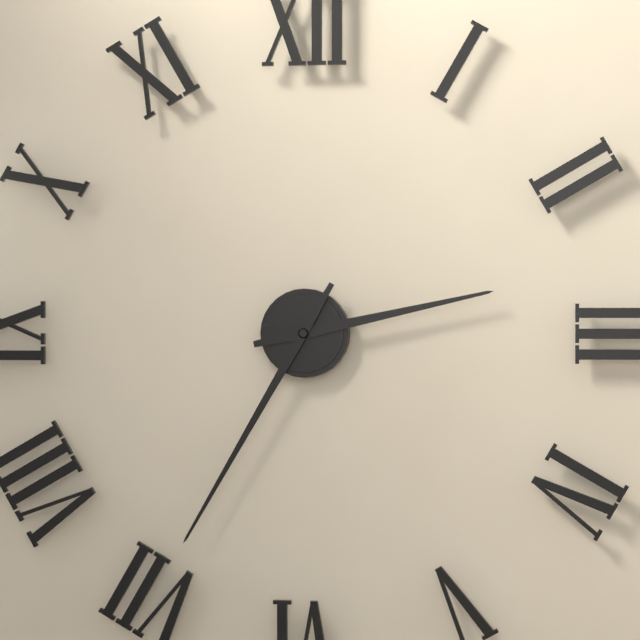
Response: 2:35
